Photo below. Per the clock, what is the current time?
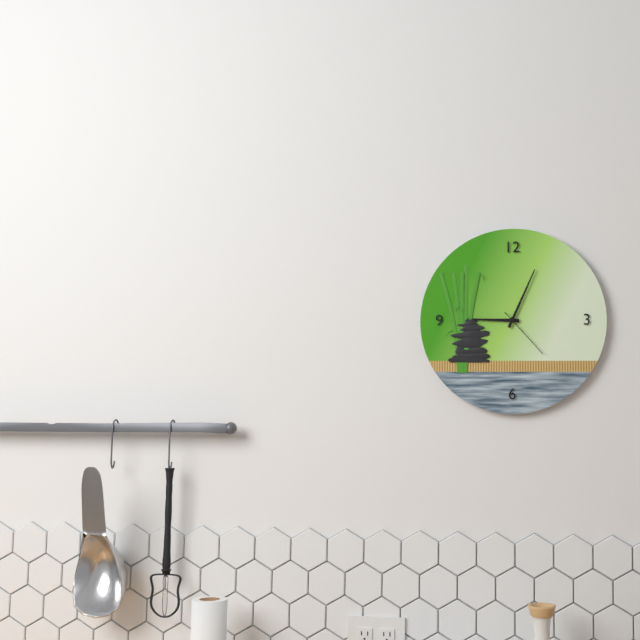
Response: 9:04:23
